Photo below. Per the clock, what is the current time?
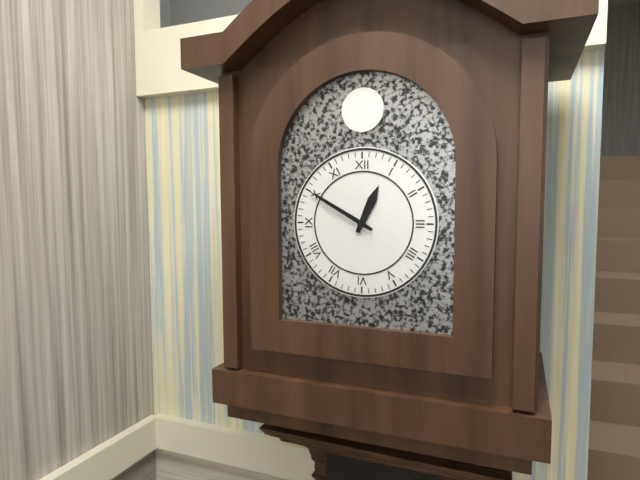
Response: 12:50
